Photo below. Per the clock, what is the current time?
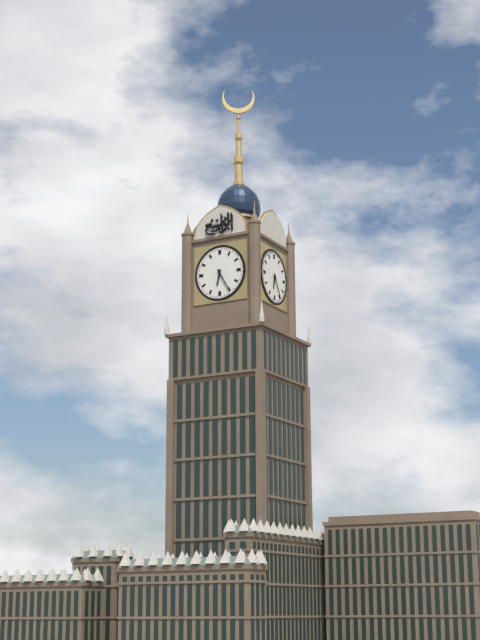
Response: 6:25
